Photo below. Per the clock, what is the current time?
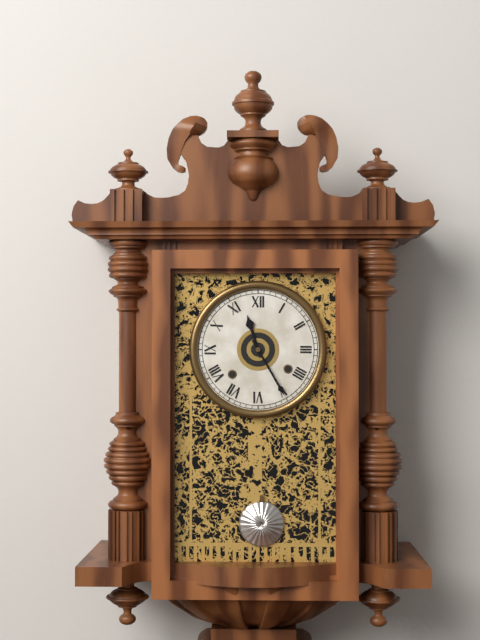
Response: 11:25
